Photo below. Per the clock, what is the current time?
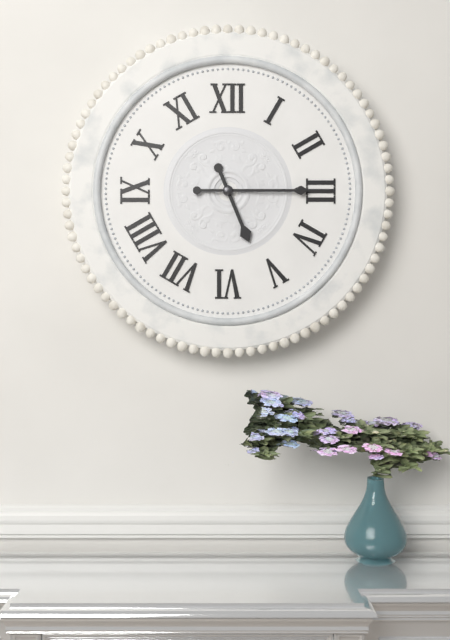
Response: 5:15
